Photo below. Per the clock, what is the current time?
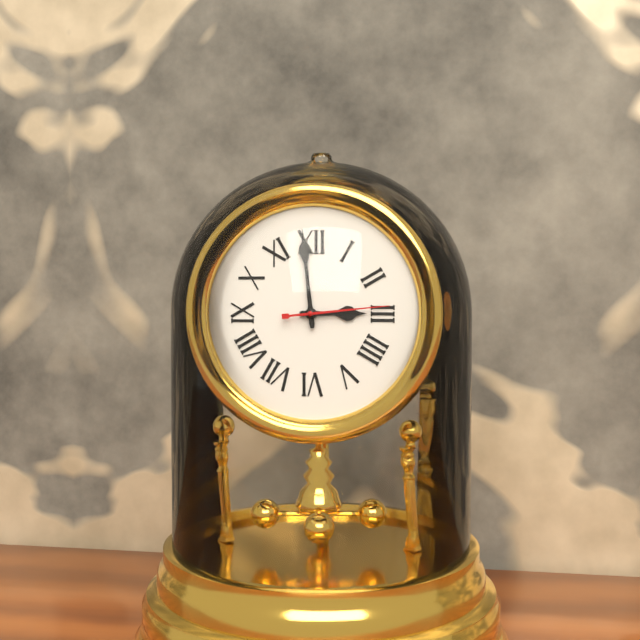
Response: 2:59:14
